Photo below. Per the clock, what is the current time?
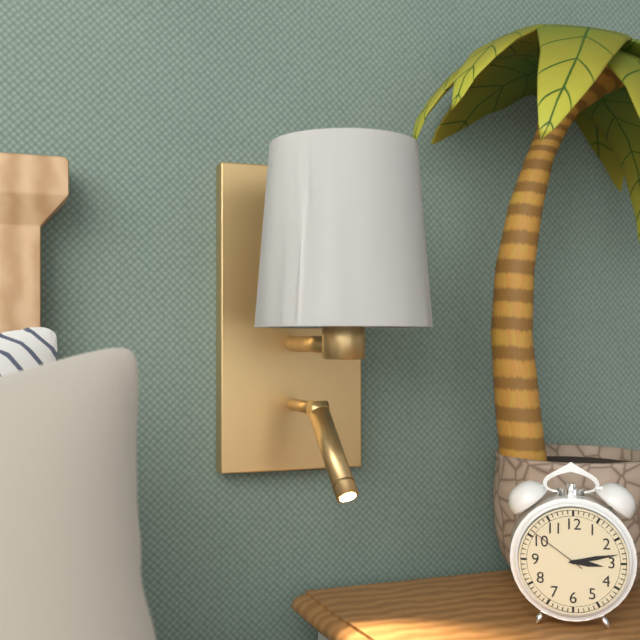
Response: 3:13:51
